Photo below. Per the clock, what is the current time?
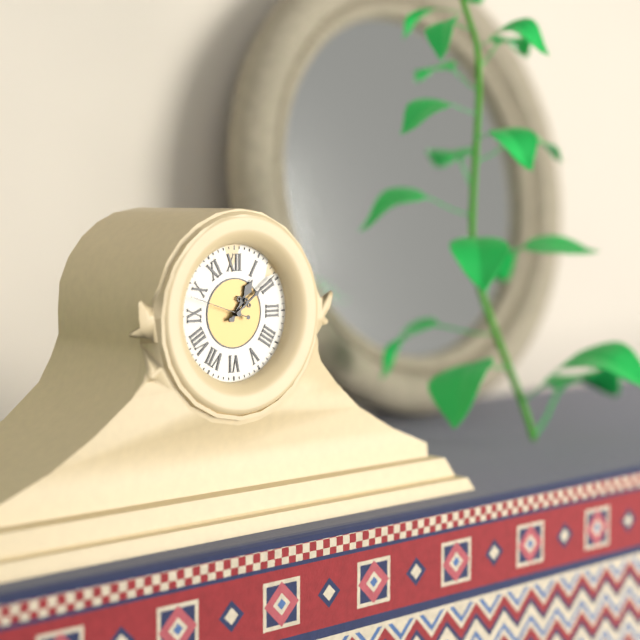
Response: 1:09:48
